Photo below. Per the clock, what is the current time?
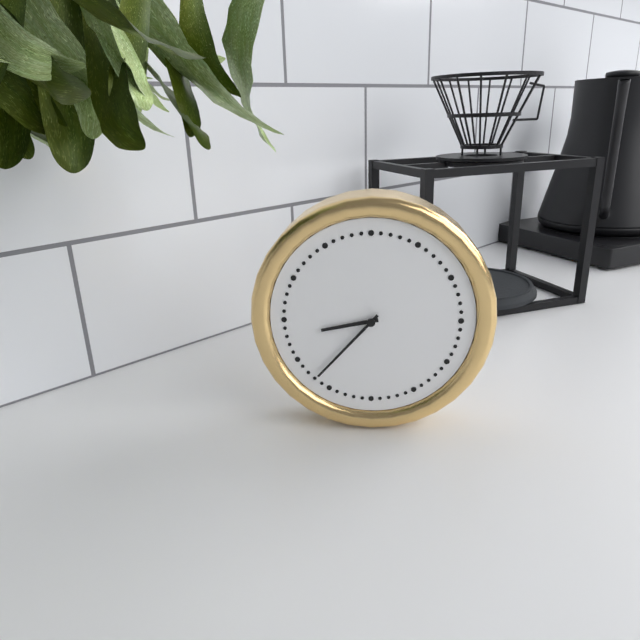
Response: 8:37
